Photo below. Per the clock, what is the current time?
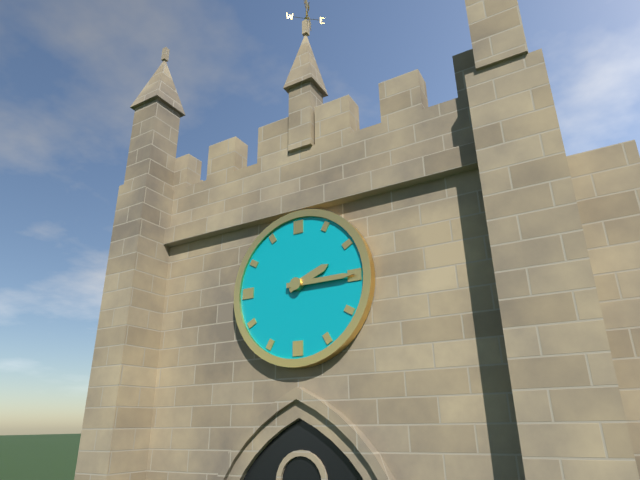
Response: 2:15
